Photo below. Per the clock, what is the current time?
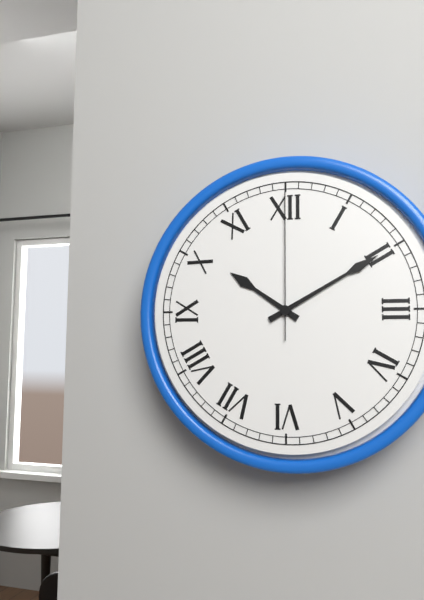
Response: 10:10:00
